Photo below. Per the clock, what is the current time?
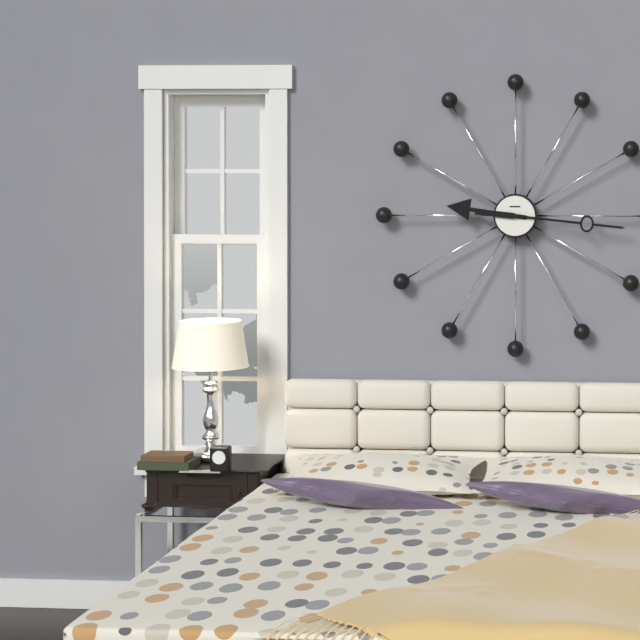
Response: 9:16
